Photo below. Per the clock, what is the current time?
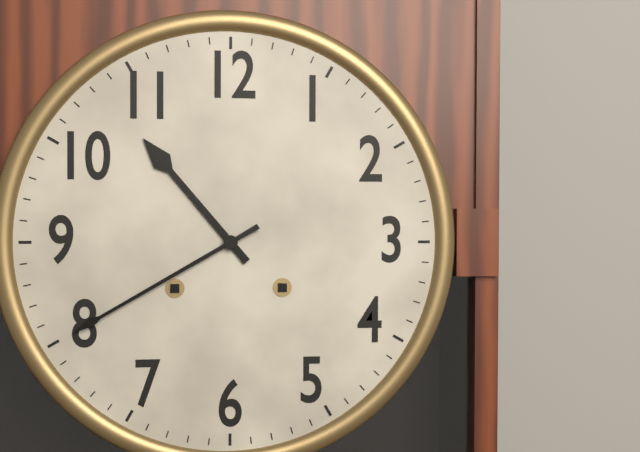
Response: 10:40
